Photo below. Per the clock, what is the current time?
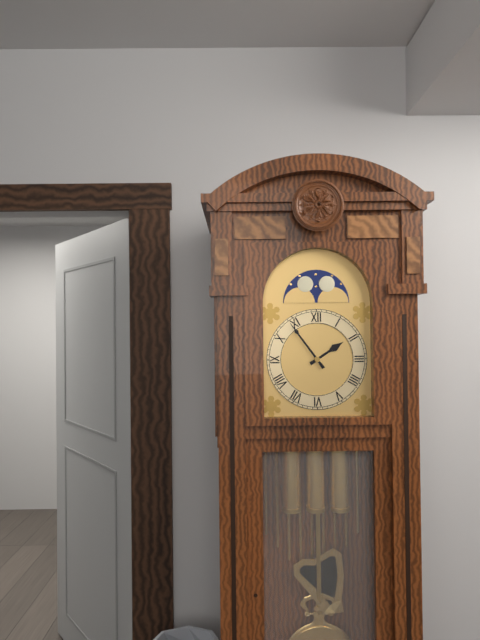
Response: 1:54
